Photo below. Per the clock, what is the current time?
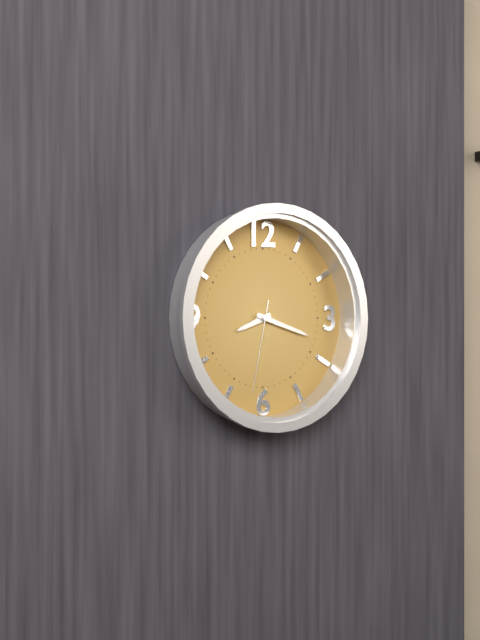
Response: 8:18:32
